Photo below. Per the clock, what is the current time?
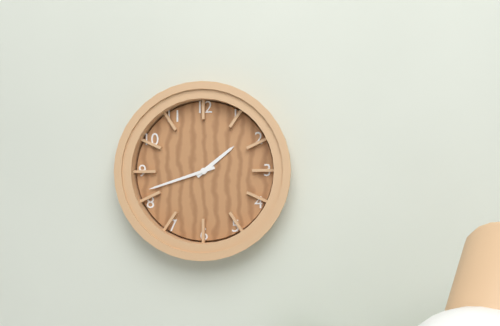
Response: 1:42
